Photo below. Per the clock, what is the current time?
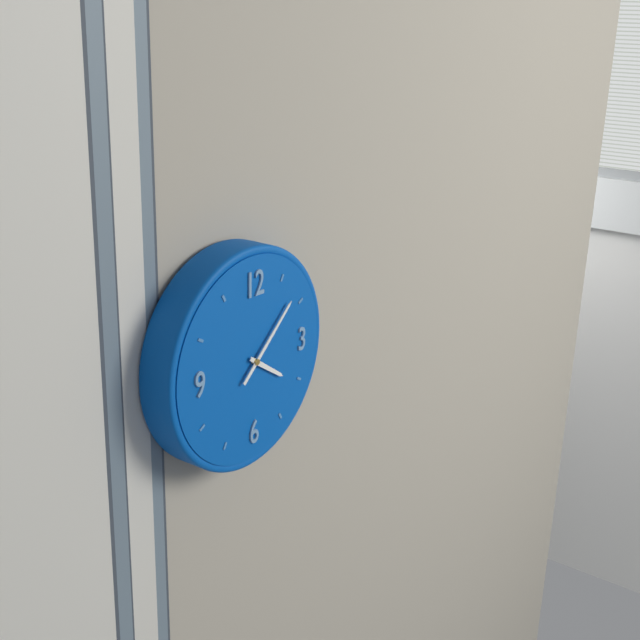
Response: 4:08
